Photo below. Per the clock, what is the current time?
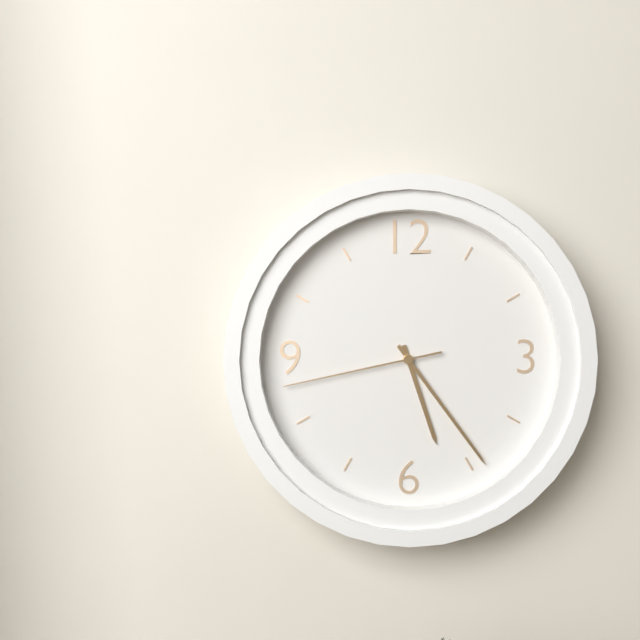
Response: 5:24:43
